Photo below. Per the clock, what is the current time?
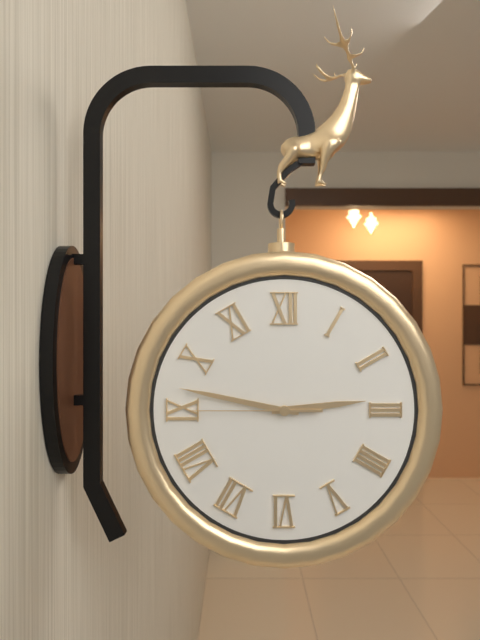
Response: 2:47:45
